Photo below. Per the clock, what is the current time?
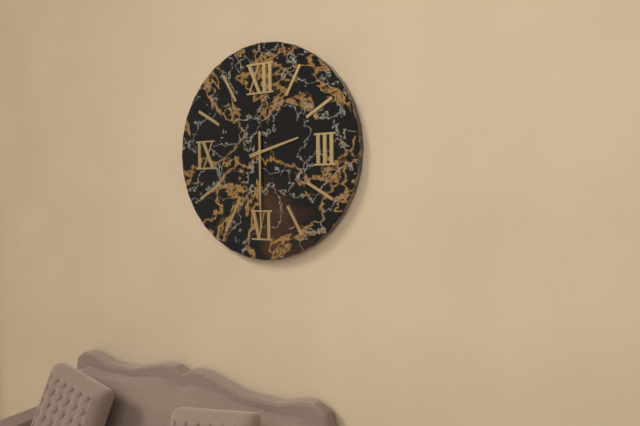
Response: 2:30
